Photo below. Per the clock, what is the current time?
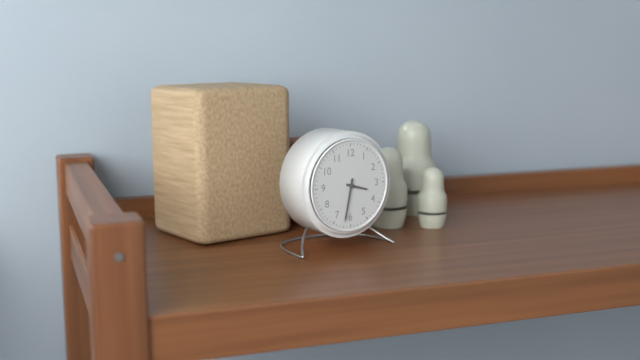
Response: 3:32
